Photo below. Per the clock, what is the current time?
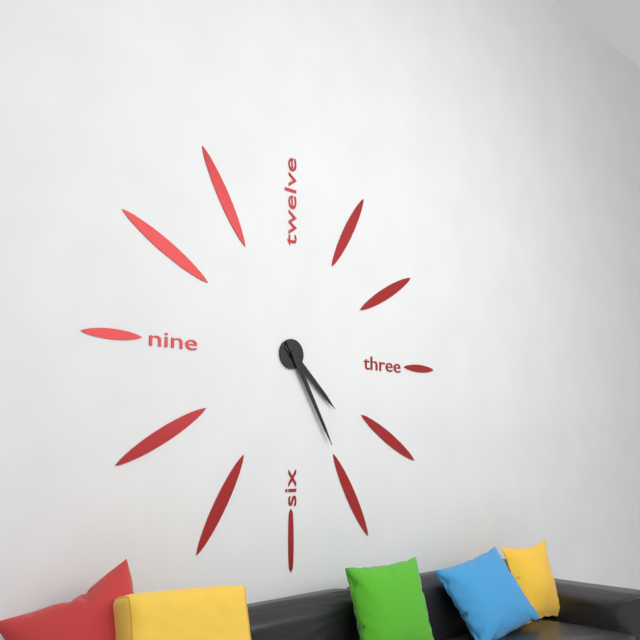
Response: 4:25
